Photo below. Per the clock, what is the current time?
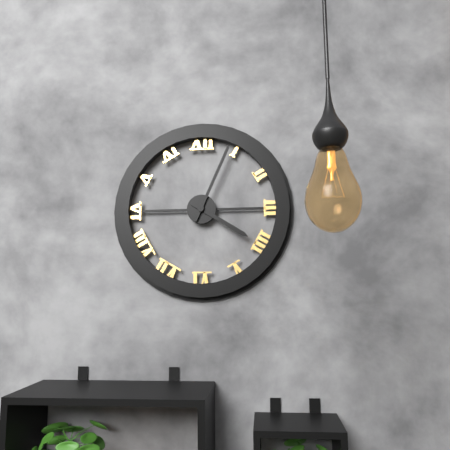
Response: 4:04
